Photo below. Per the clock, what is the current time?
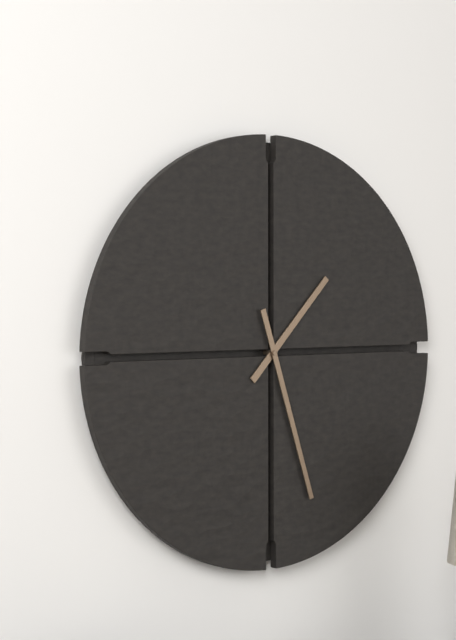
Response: 1:27
